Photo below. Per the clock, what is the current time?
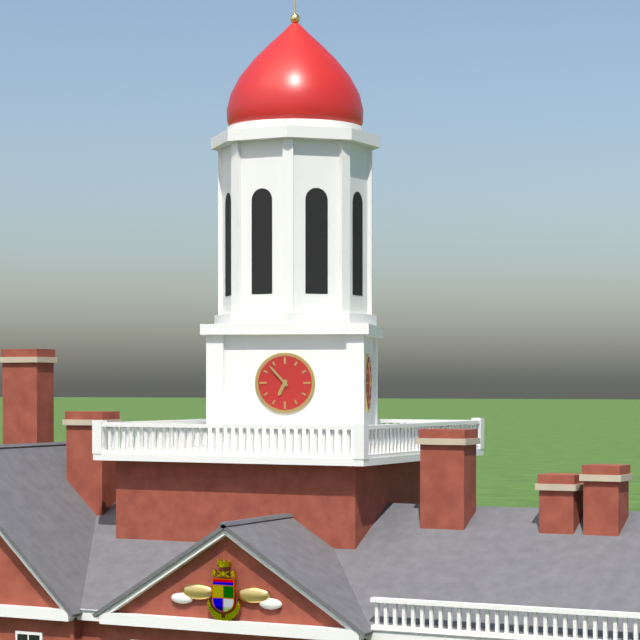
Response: 6:53
